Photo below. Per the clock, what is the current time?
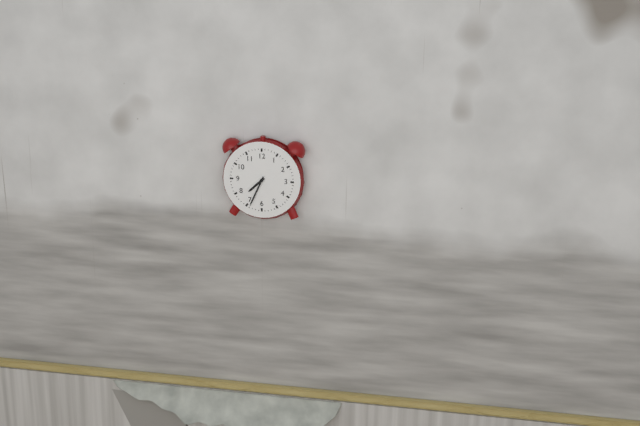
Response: 7:34
